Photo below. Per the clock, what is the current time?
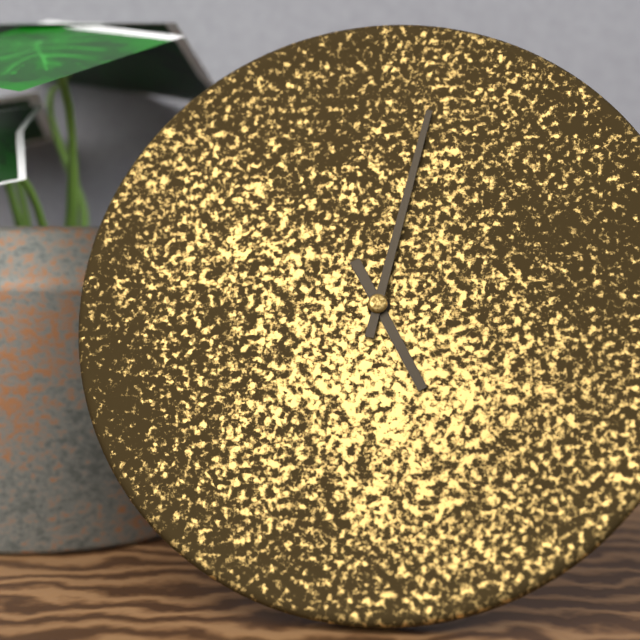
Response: 5:02
